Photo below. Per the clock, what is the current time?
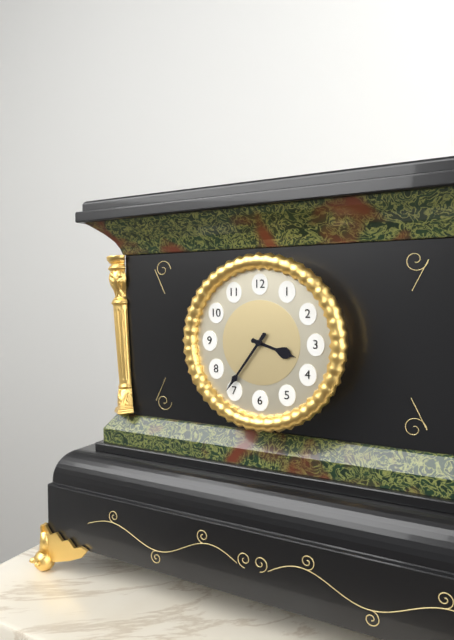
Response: 3:36
